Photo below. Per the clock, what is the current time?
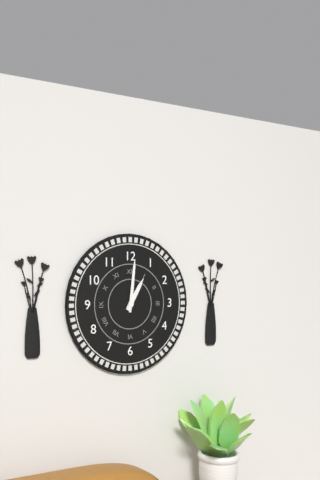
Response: 1:01
